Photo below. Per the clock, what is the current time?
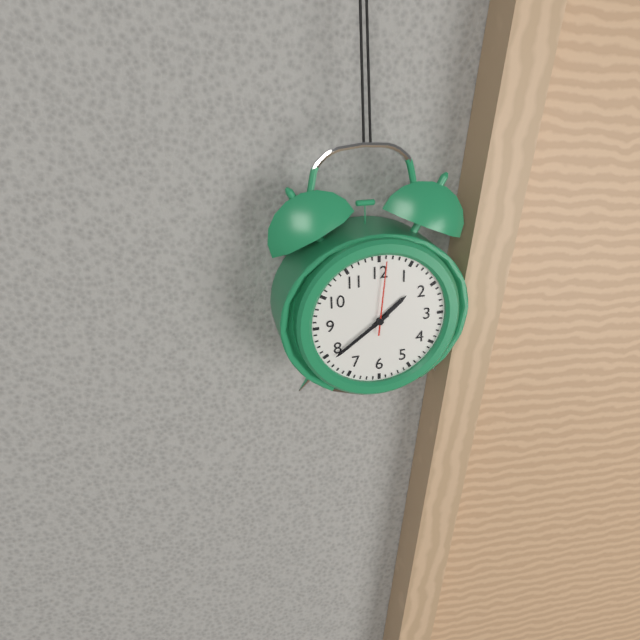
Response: 1:39:01
